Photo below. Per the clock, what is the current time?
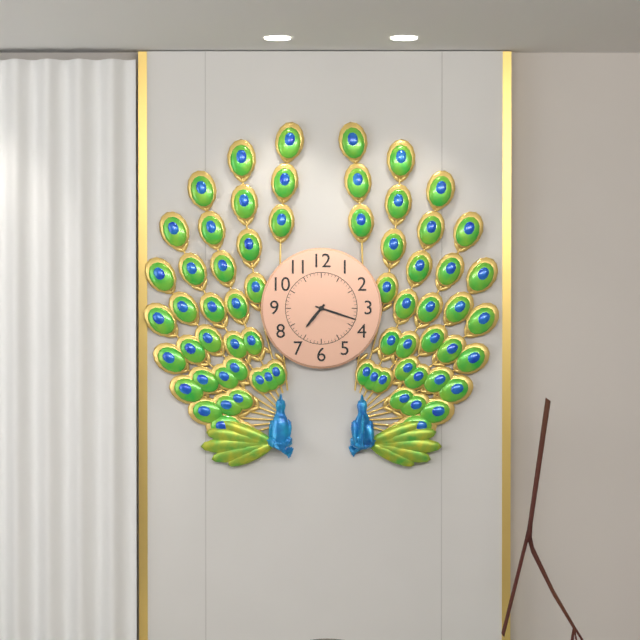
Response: 7:18
